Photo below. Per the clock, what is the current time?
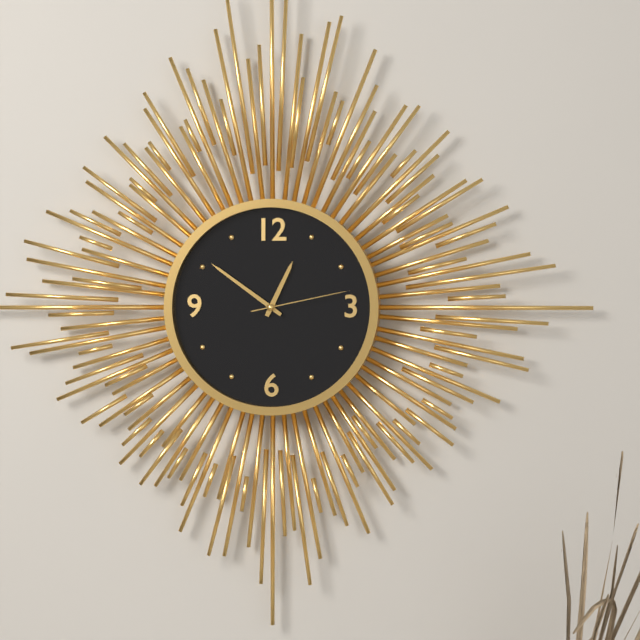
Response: 12:51:13
